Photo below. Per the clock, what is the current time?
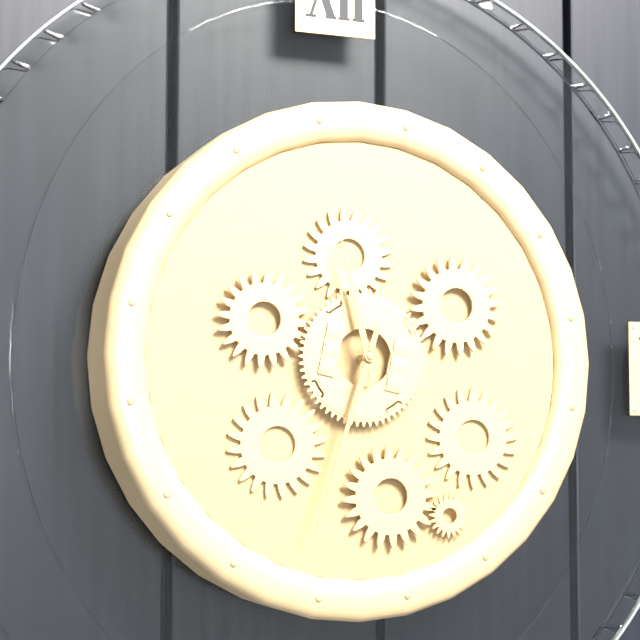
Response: 11:33
